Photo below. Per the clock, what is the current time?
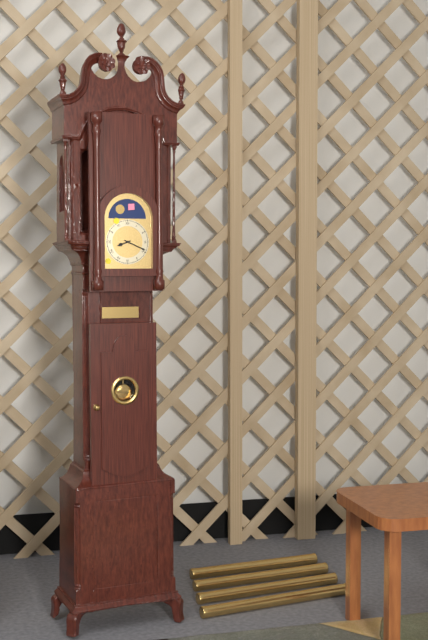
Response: 8:19
